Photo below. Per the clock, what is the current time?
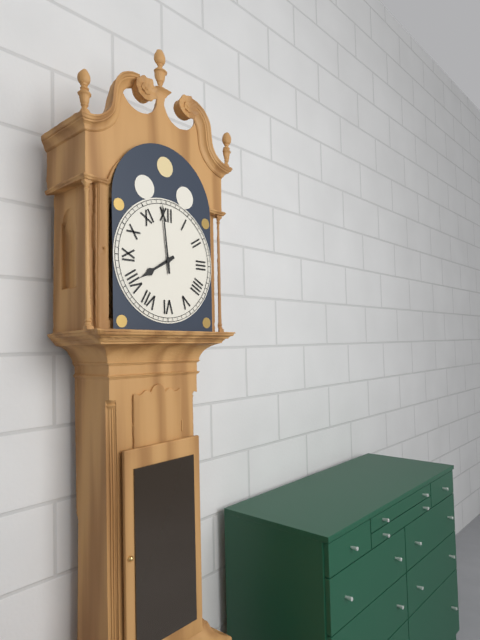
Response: 7:59
